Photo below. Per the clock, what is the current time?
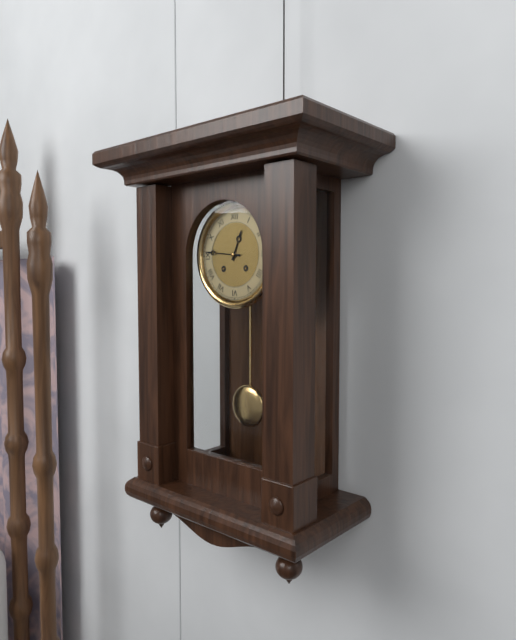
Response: 12:46
